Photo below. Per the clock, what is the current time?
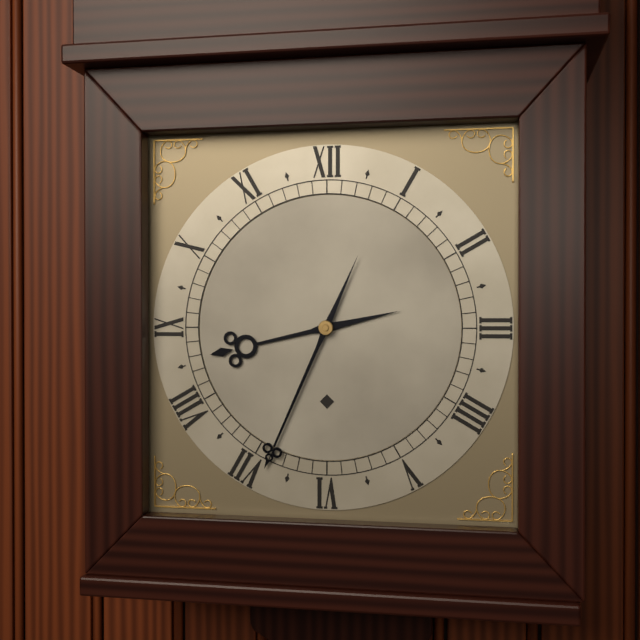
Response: 8:34
